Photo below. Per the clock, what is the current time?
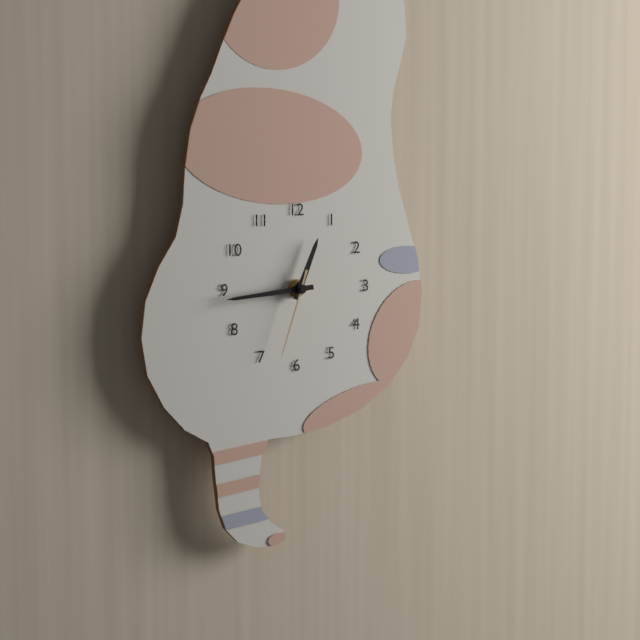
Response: 12:44:33
